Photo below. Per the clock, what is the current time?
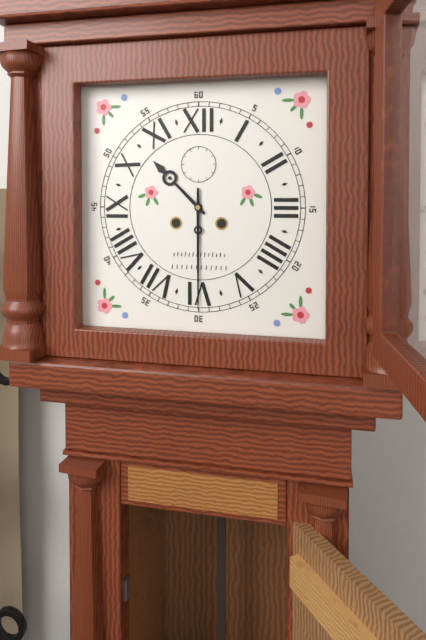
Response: 10:30
